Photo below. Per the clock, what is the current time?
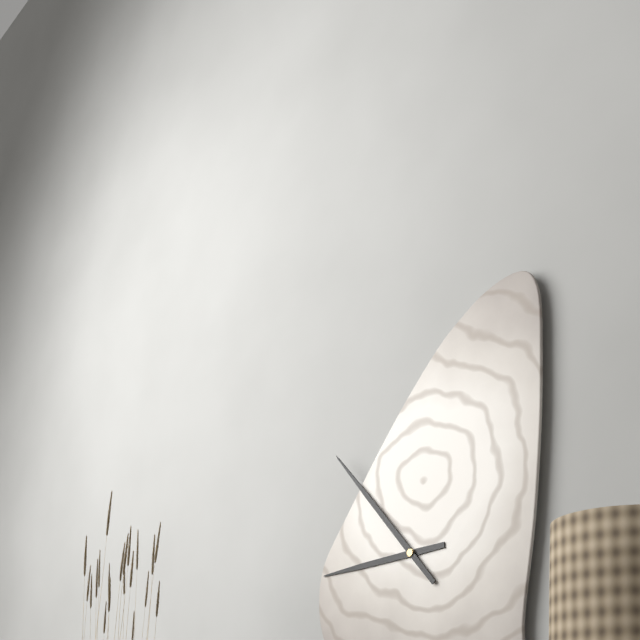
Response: 8:53
